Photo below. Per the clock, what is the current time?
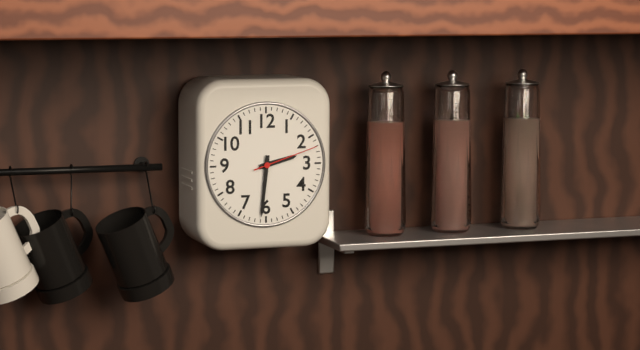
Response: 2:31:12
